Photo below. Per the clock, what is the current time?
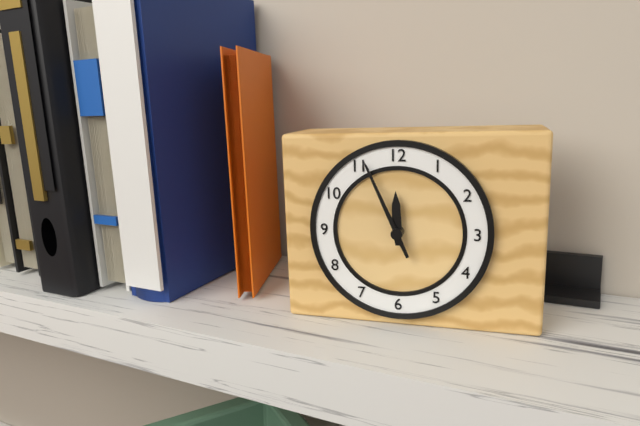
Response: 11:56
